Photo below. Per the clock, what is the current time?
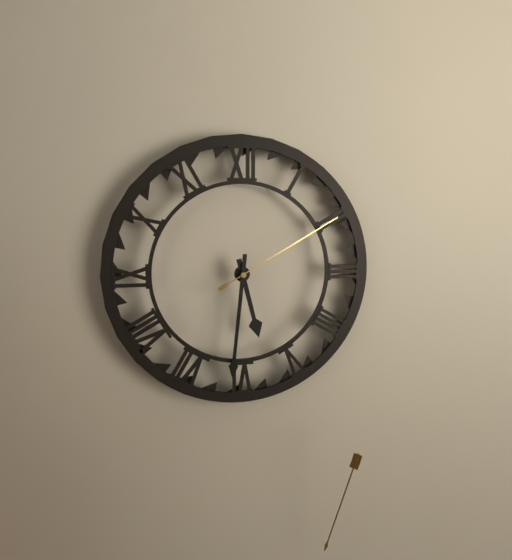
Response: 5:31:10
